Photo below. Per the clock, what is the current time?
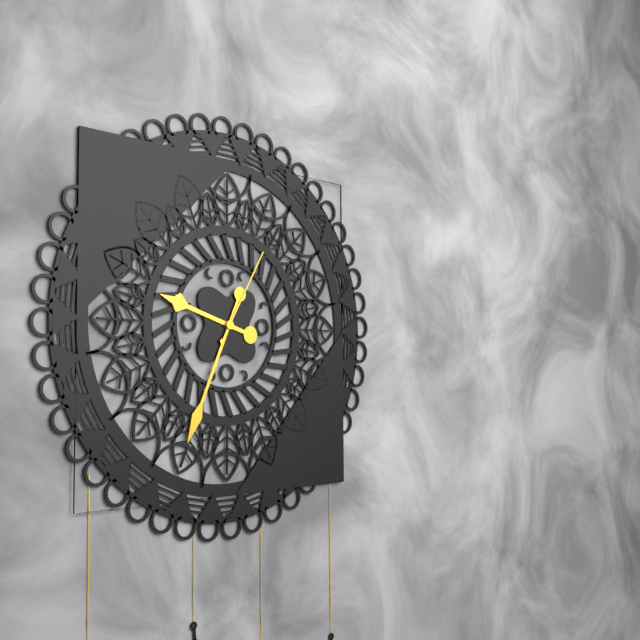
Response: 9:34:05
